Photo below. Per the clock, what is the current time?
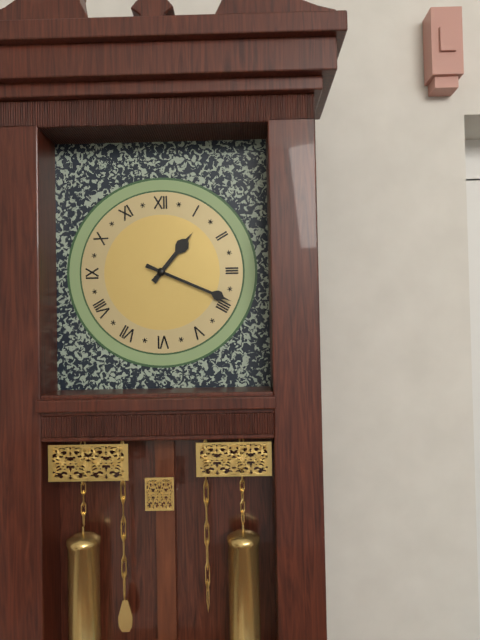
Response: 1:19
